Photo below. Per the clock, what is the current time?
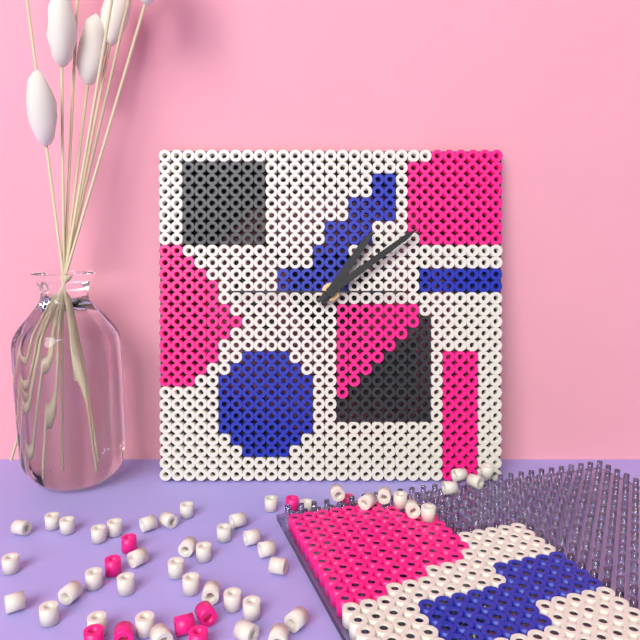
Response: 1:09:45
